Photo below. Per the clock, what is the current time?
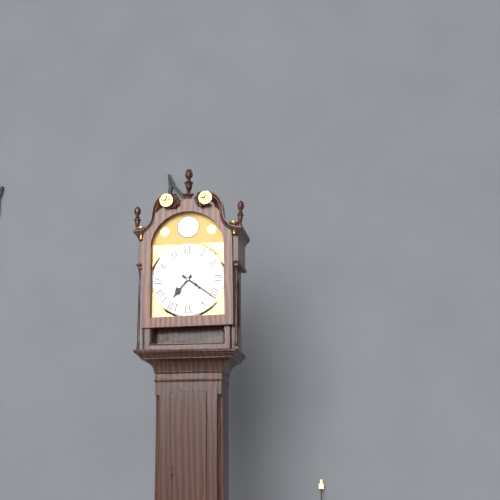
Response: 7:21
